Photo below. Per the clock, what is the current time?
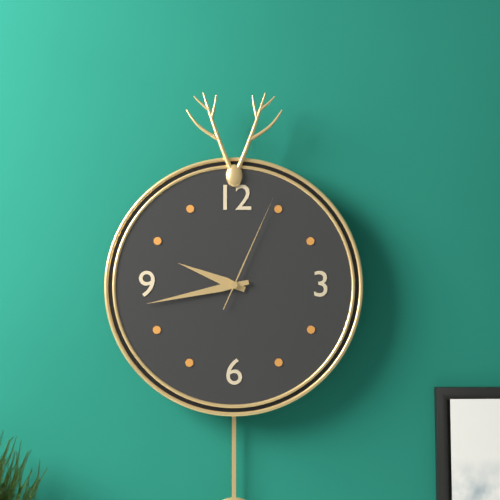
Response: 9:43:04
